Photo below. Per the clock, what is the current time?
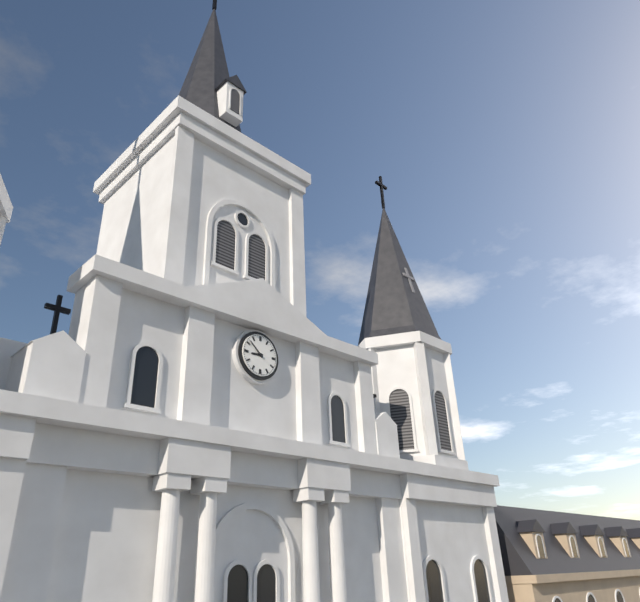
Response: 8:52
